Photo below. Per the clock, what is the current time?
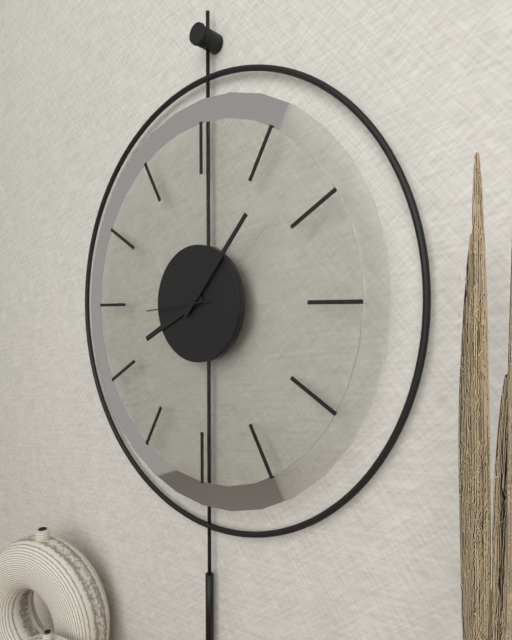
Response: 8:07:44
